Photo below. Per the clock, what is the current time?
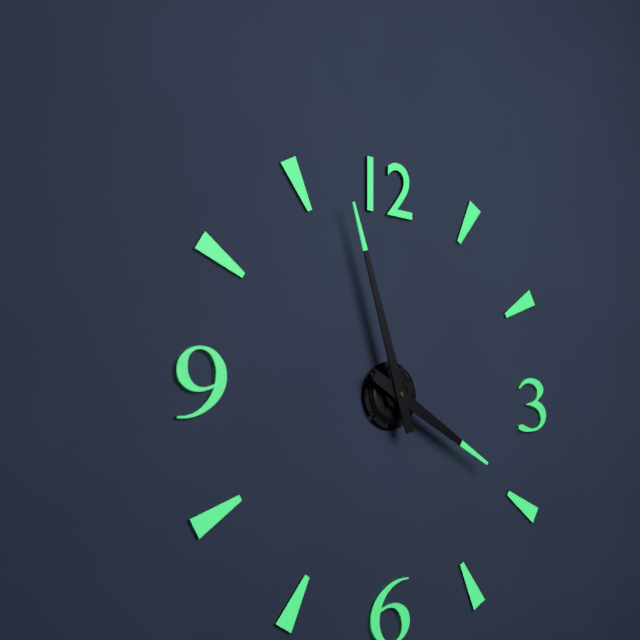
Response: 3:57
